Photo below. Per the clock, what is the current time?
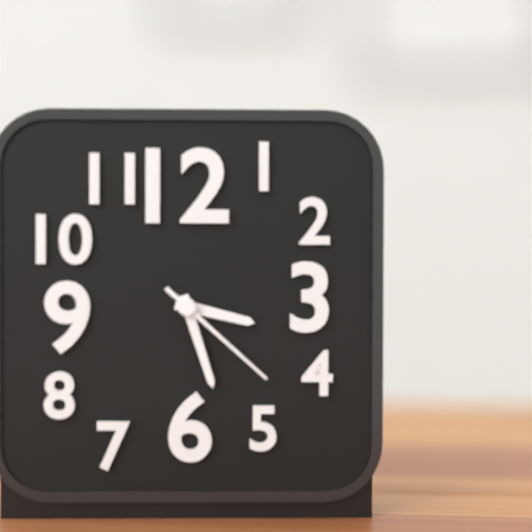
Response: 3:27:22
